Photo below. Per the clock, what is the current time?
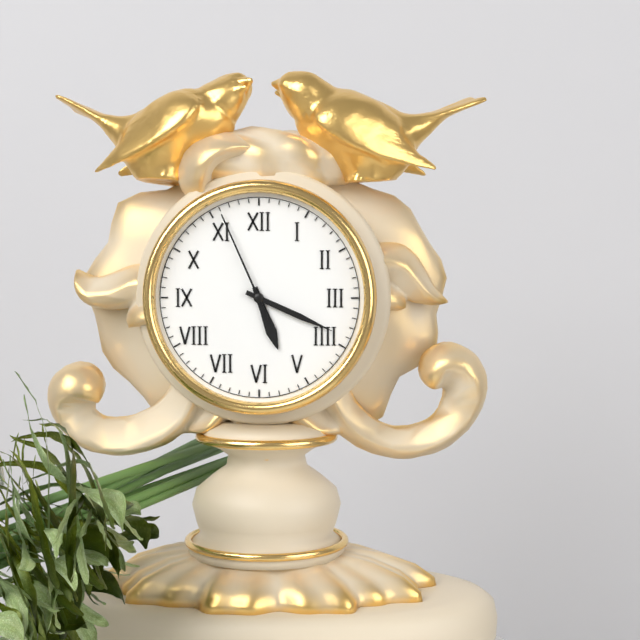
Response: 5:19:56
